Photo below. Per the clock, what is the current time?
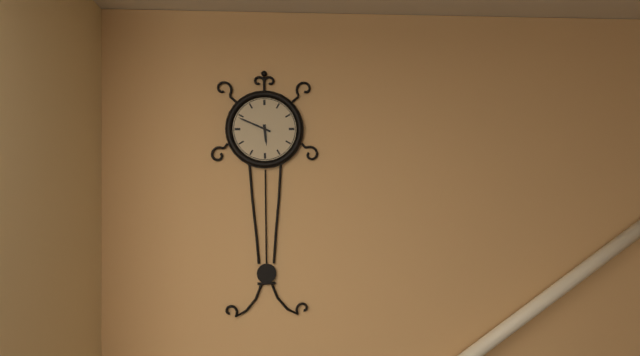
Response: 5:49
